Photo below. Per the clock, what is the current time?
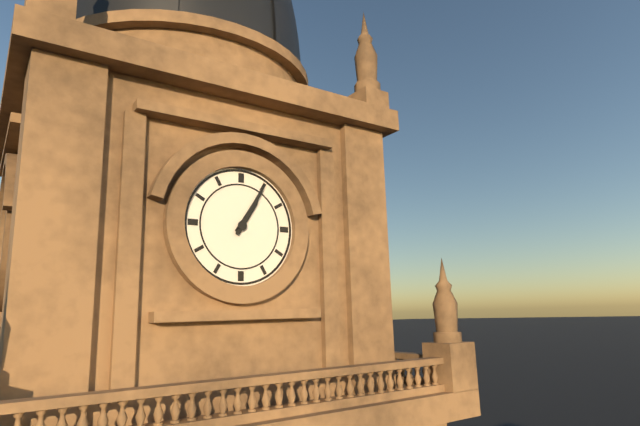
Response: 1:05
